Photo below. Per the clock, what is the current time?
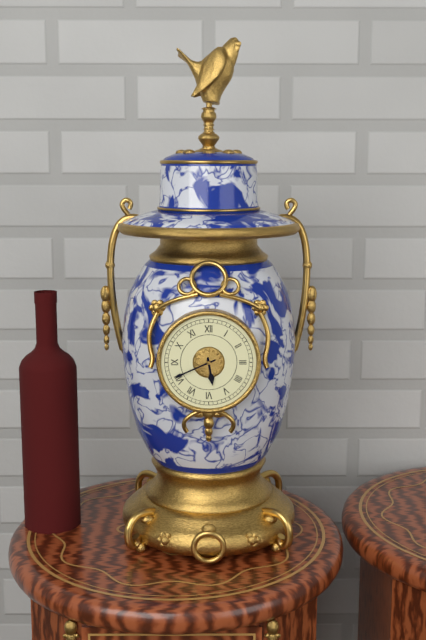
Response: 5:41
